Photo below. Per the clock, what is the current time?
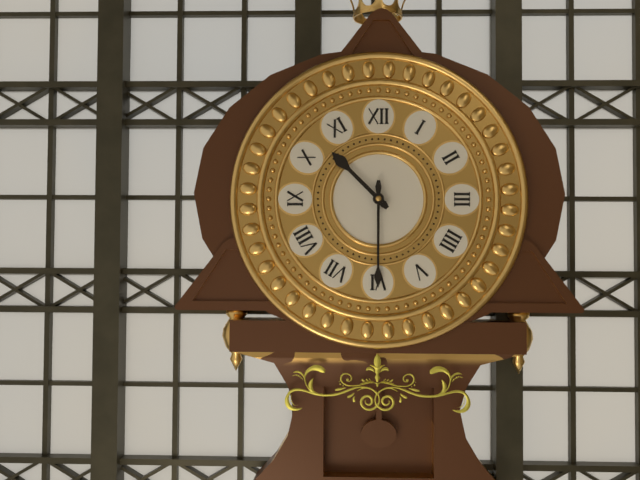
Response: 10:30
